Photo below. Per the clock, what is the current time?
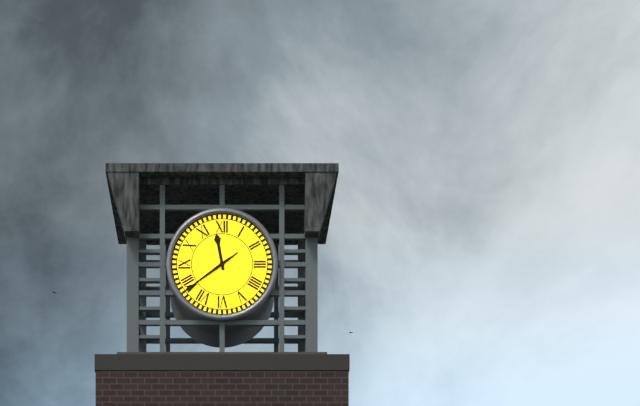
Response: 11:39
